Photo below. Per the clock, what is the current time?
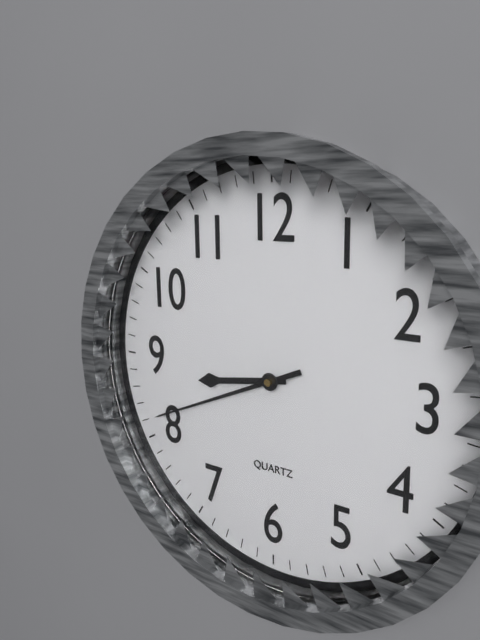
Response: 8:41
